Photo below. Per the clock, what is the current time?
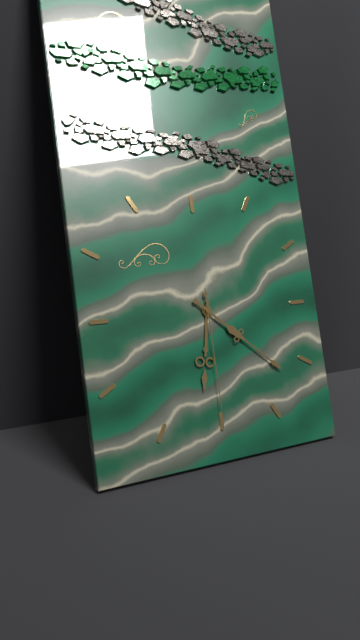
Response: 6:22:30
